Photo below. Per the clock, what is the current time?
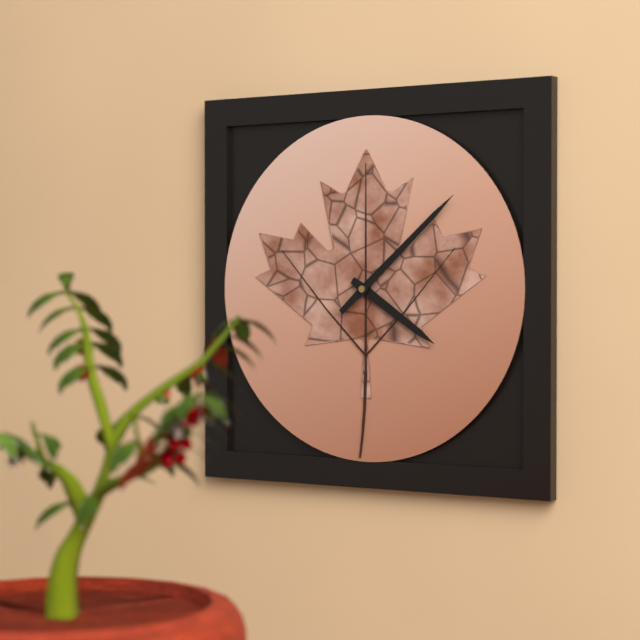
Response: 4:08
